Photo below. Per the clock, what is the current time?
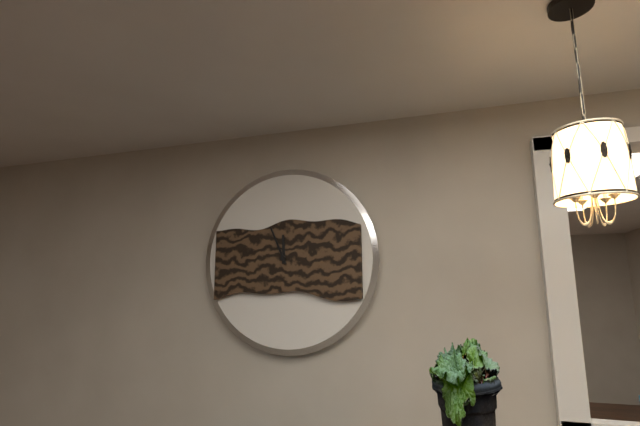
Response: 11:56
